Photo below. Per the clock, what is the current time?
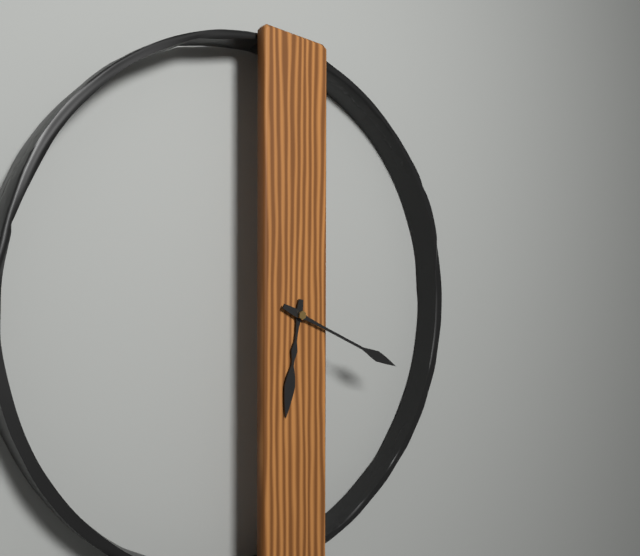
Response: 6:19
